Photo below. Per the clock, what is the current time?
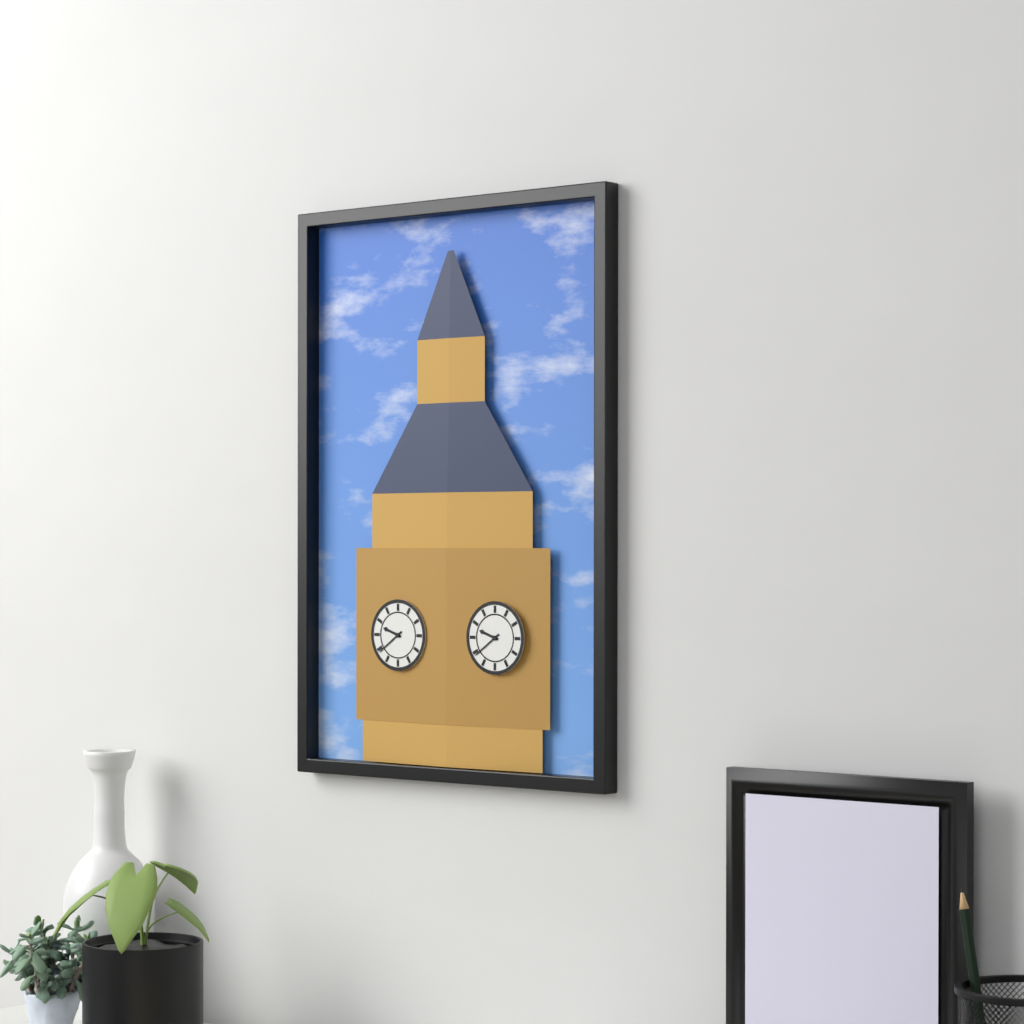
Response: 9:39
